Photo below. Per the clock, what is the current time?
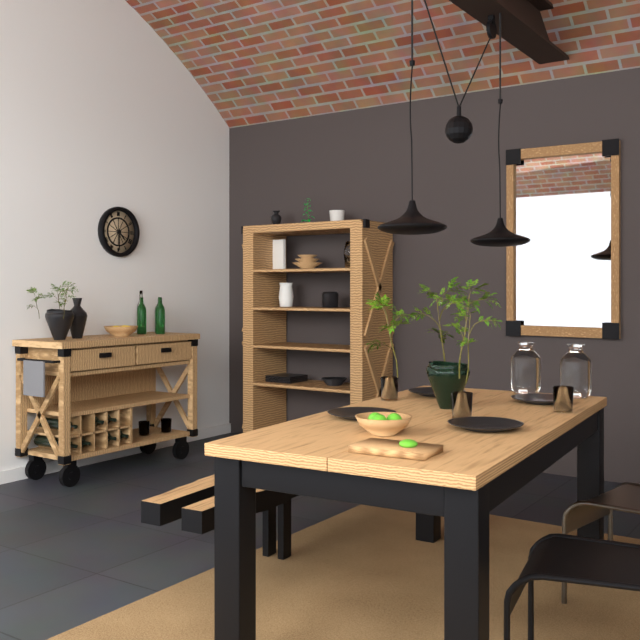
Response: 4:30
